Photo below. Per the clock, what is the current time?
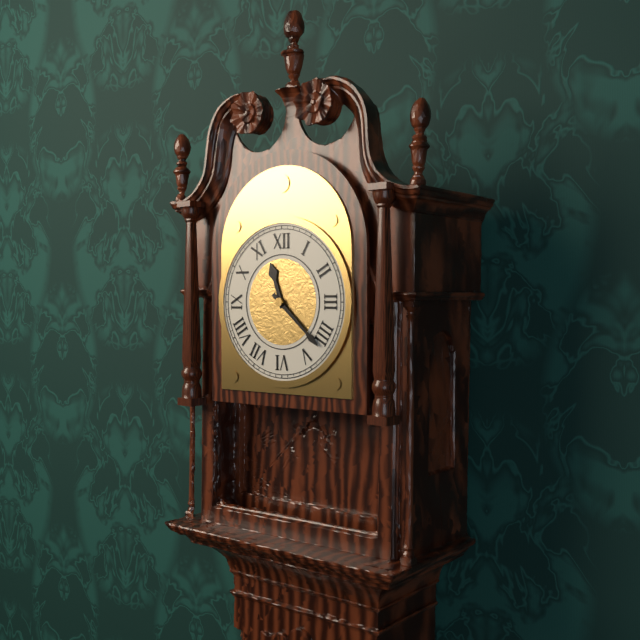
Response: 11:22
